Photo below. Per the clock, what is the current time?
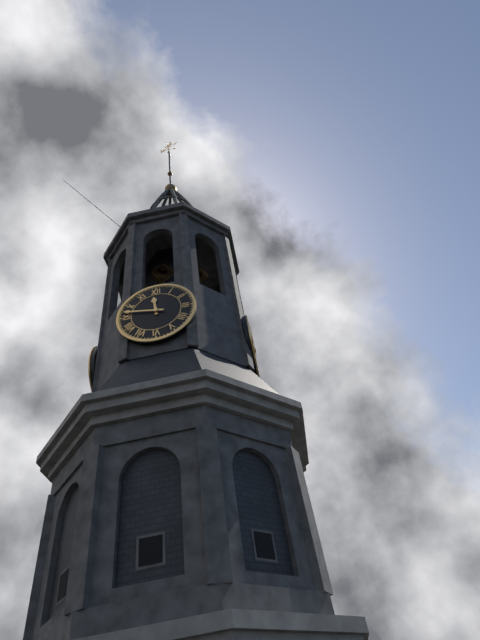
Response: 11:47
